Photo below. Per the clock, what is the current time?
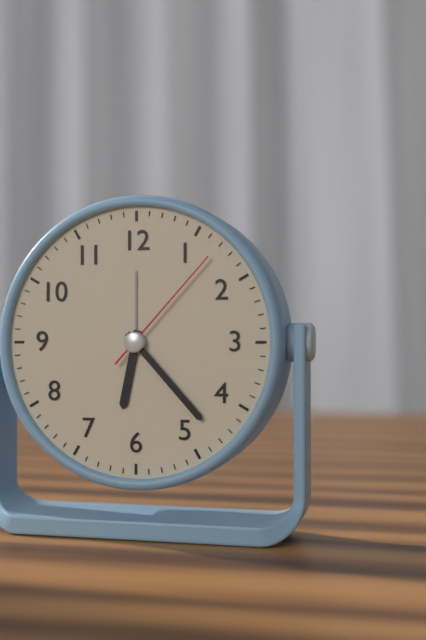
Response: 6:23:07
